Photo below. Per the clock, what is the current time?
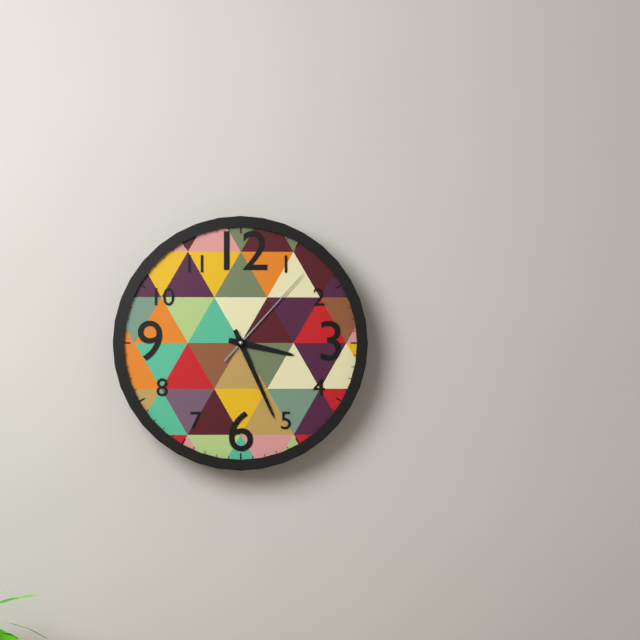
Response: 3:26:07
